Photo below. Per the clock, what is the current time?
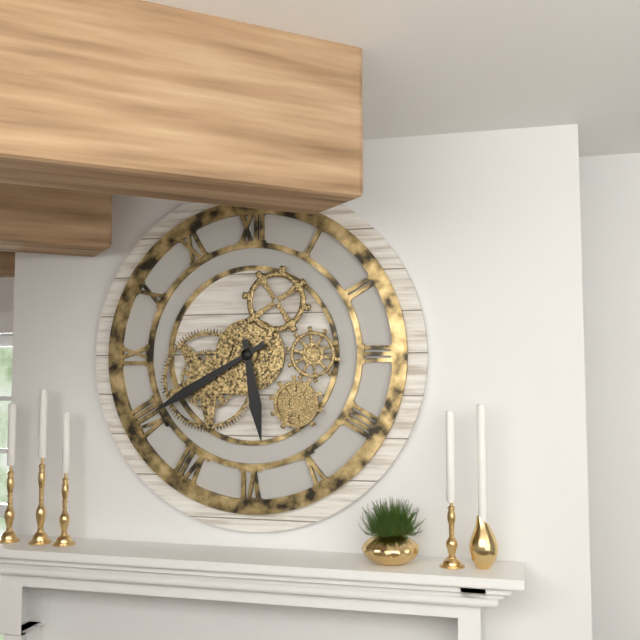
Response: 5:40
